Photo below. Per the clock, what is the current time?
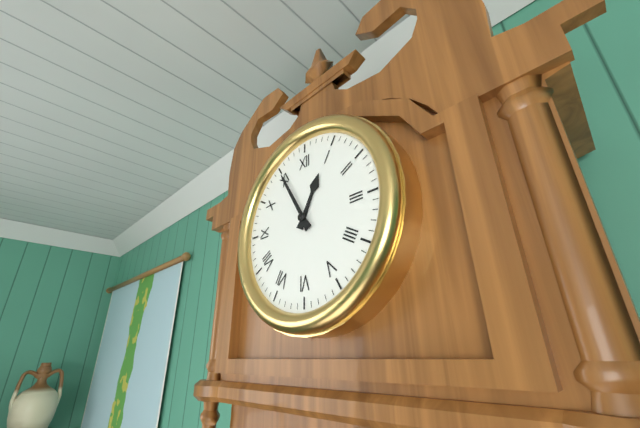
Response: 12:55
